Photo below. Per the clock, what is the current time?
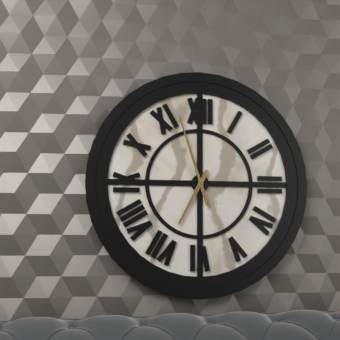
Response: 6:57
